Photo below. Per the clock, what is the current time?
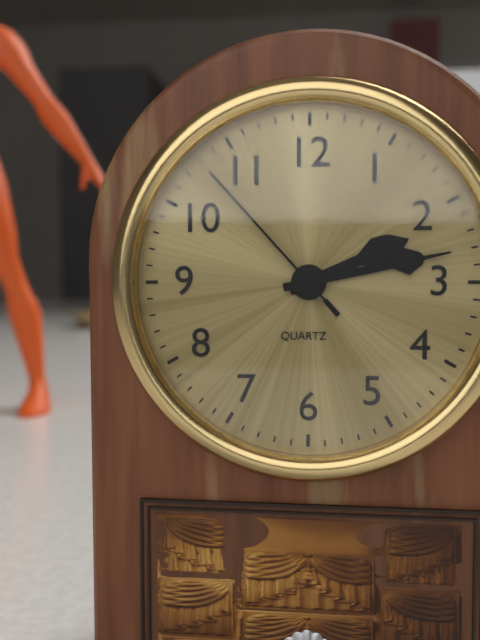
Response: 2:13:53
